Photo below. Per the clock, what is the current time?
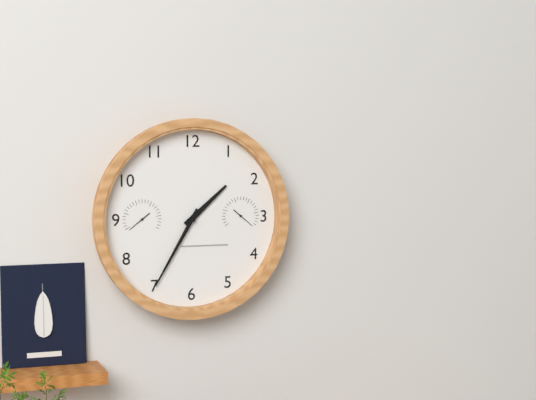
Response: 1:35
